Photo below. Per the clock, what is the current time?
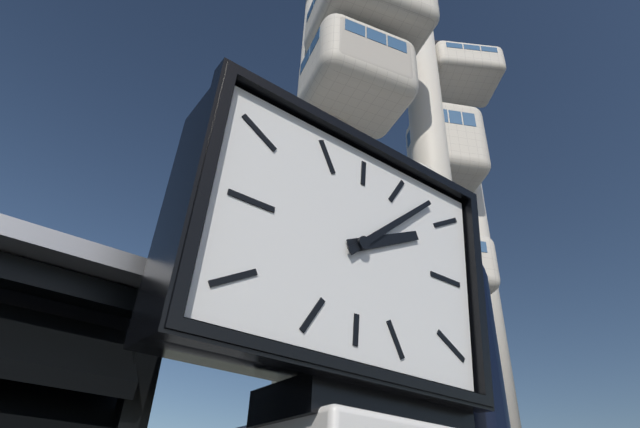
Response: 2:08
